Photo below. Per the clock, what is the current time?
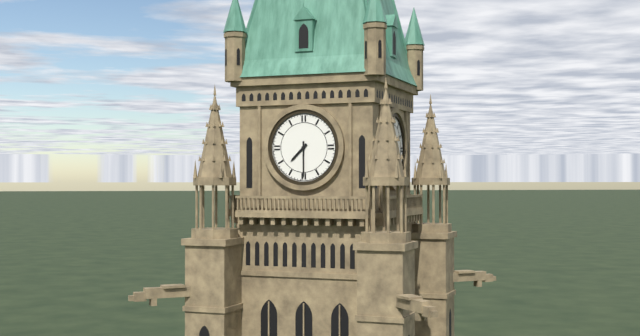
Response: 7:30
